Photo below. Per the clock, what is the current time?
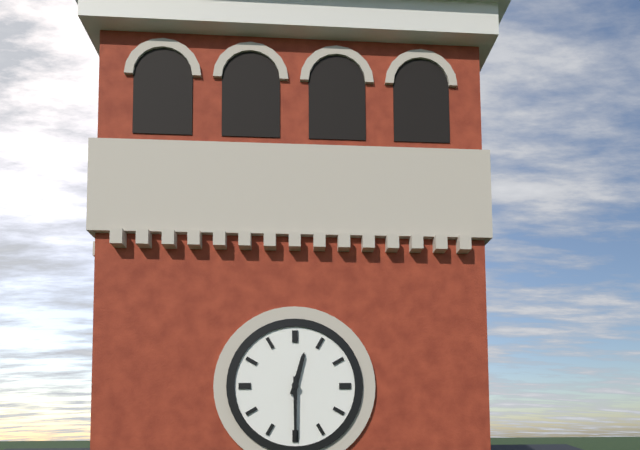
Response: 12:30
